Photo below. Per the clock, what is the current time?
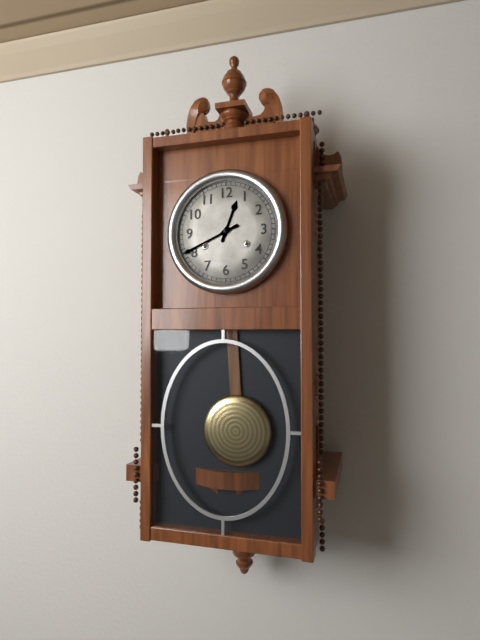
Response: 12:41
